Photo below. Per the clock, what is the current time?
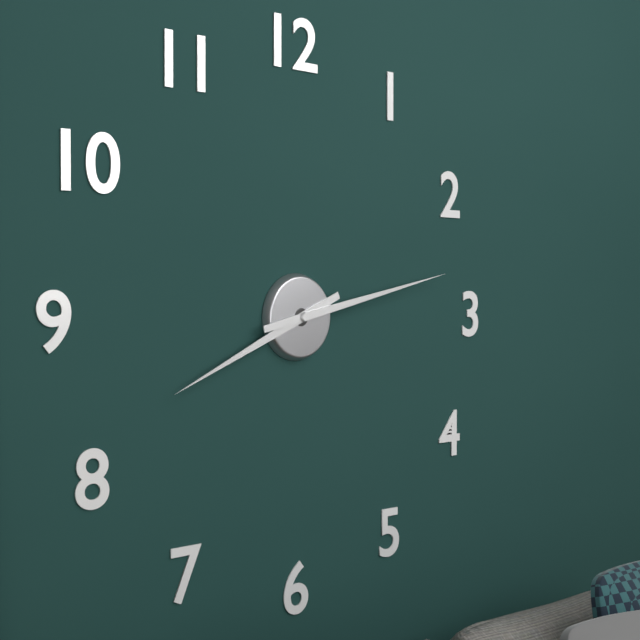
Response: 8:13
